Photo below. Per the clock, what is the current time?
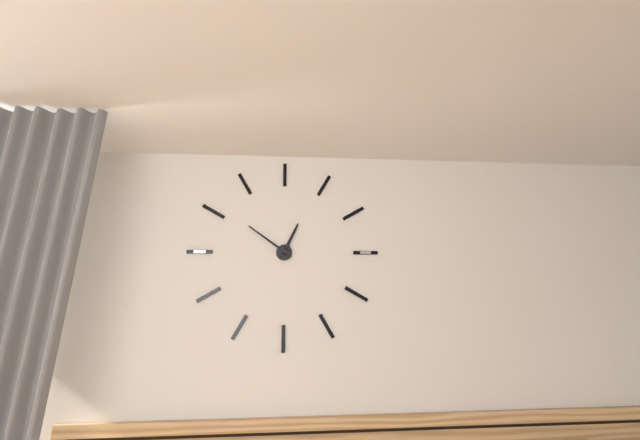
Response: 12:51
